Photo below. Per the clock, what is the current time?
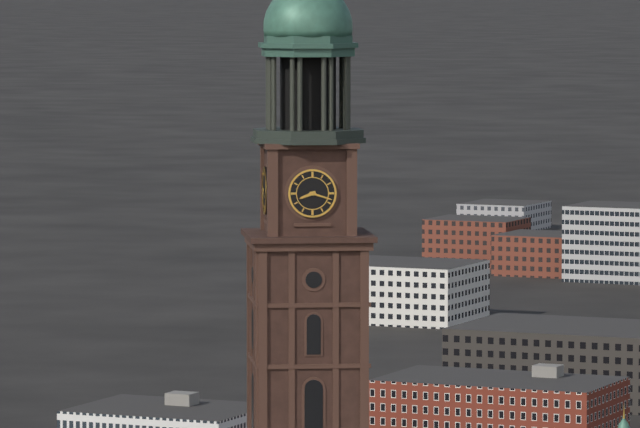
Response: 8:18
